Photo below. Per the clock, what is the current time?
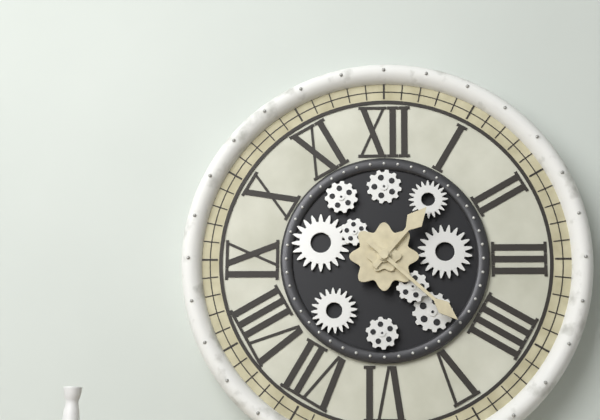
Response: 1:22
